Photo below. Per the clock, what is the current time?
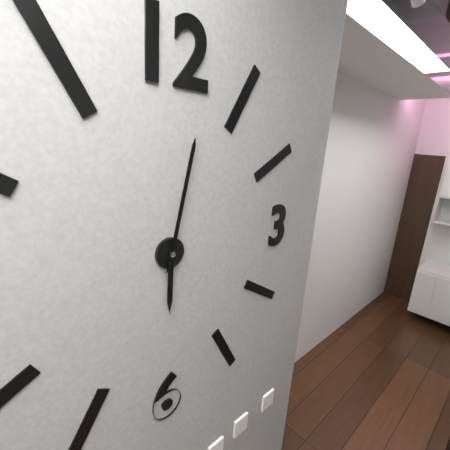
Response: 6:02
